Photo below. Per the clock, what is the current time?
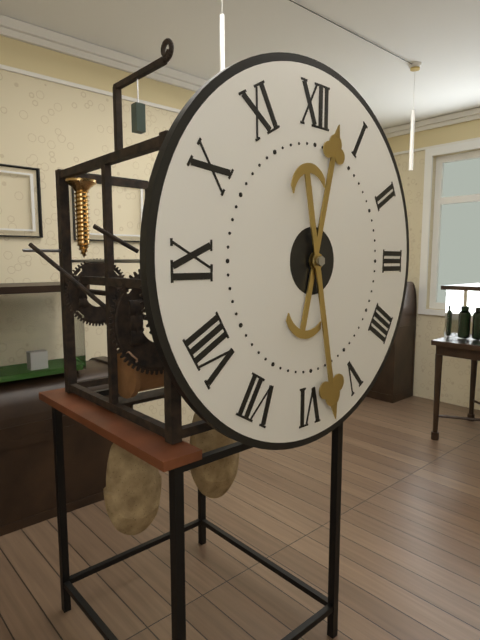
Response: 12:28
